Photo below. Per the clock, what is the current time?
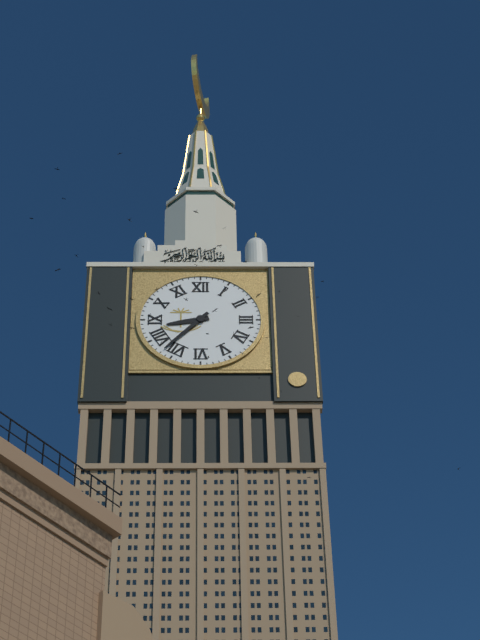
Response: 8:37
